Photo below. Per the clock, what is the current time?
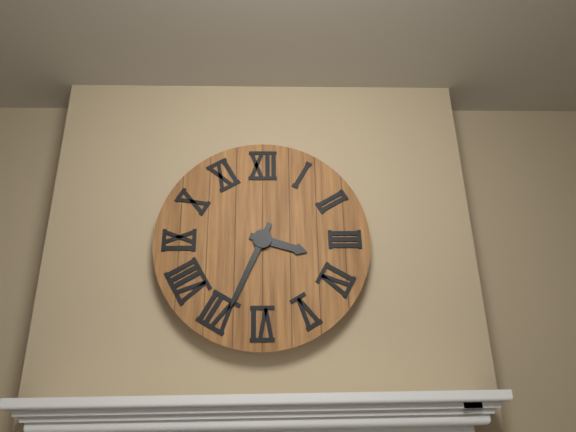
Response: 3:34
